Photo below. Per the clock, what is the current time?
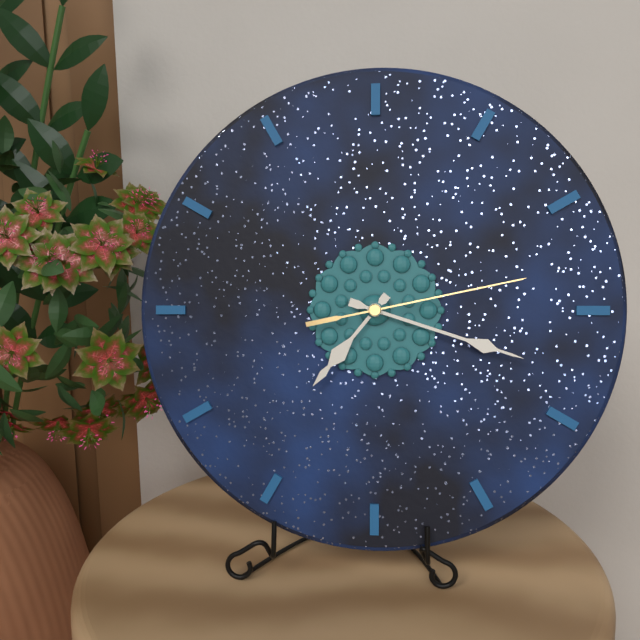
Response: 7:18:13
